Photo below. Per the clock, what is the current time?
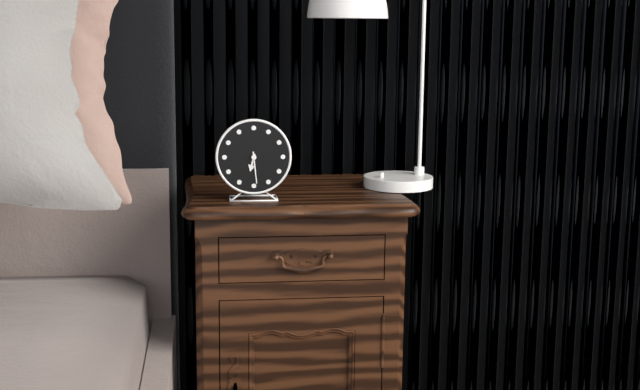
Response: 6:29
